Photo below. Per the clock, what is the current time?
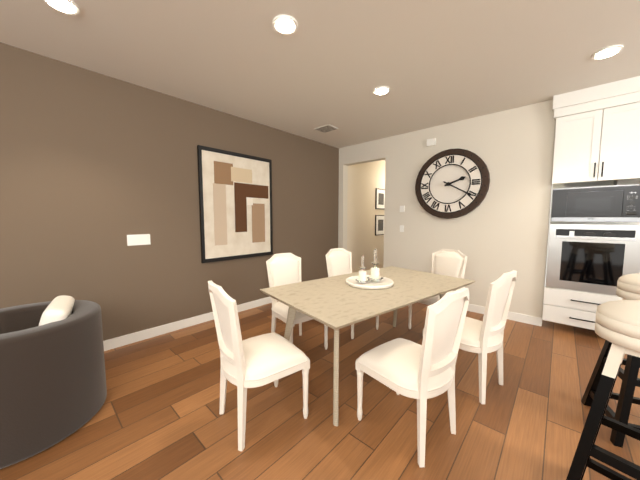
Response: 2:20
